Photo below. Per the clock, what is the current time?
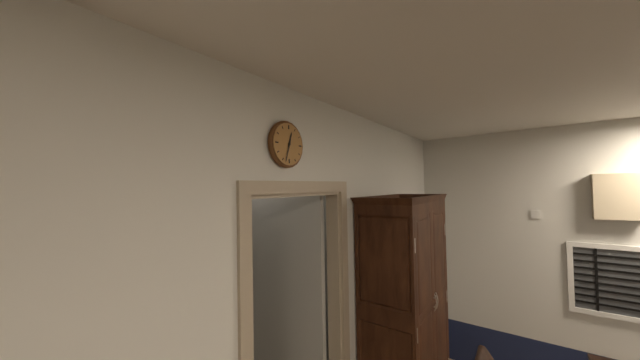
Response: 12:33
